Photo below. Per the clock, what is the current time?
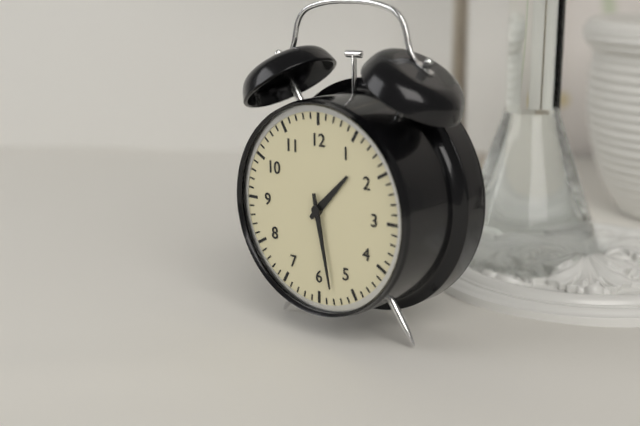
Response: 1:28
